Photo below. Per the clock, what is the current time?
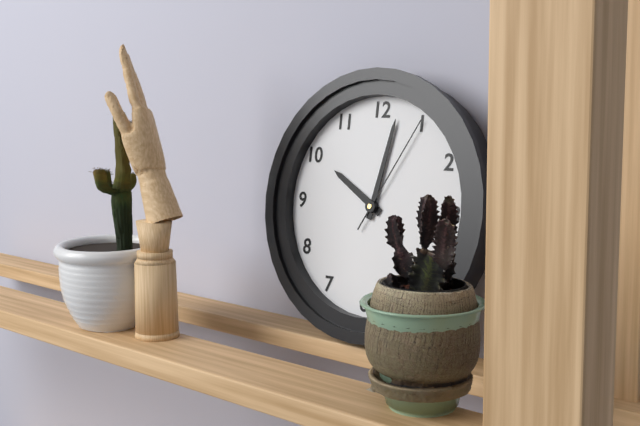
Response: 10:02:05
